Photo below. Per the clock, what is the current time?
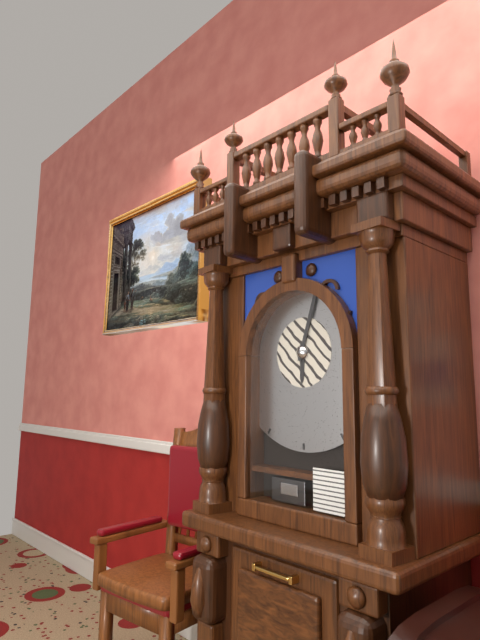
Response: 6:03
